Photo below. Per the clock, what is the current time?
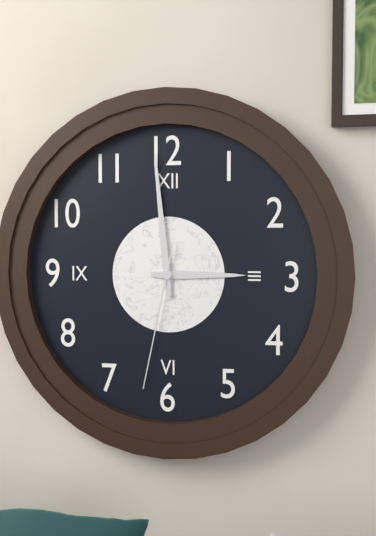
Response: 2:59:32
